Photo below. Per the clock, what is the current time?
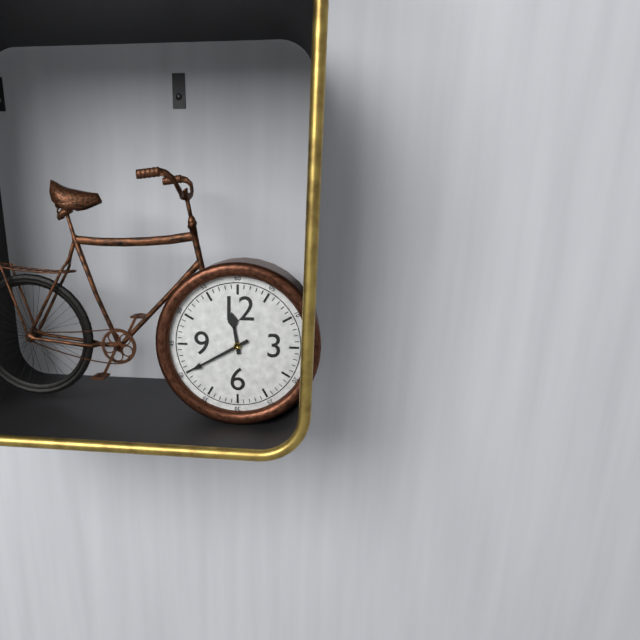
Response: 11:40
